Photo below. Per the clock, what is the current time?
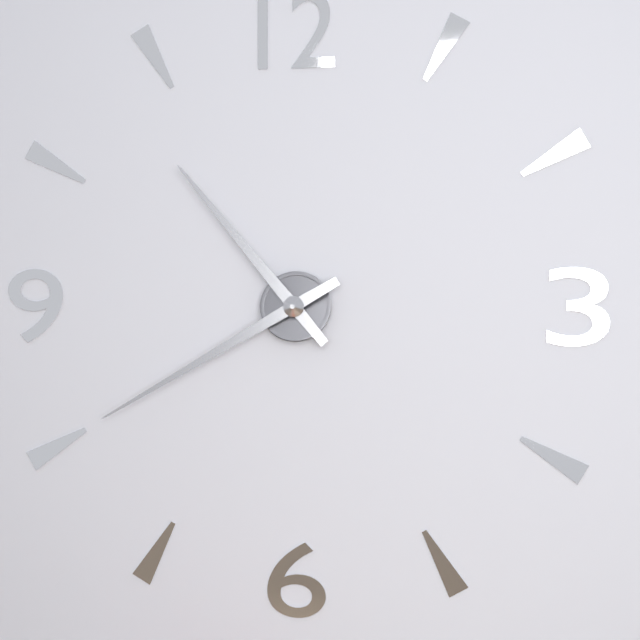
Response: 10:40
